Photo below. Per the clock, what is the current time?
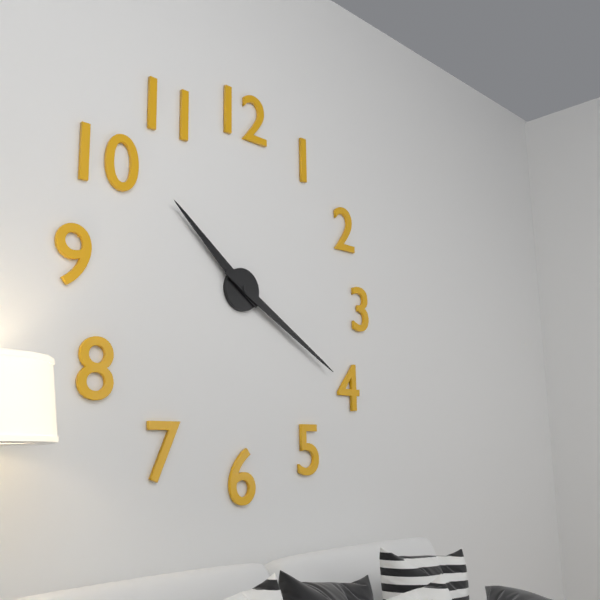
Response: 10:20
